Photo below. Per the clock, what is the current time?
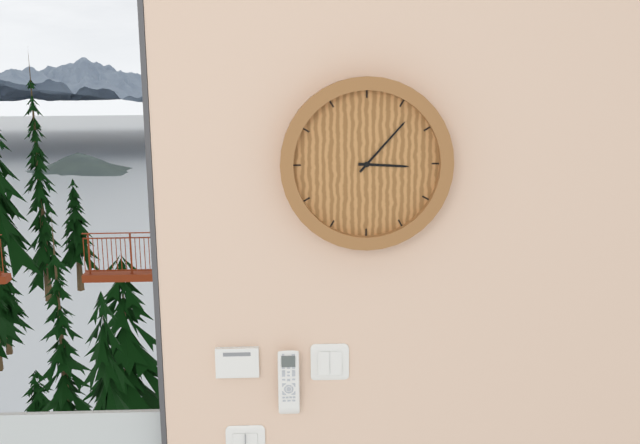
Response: 3:07
